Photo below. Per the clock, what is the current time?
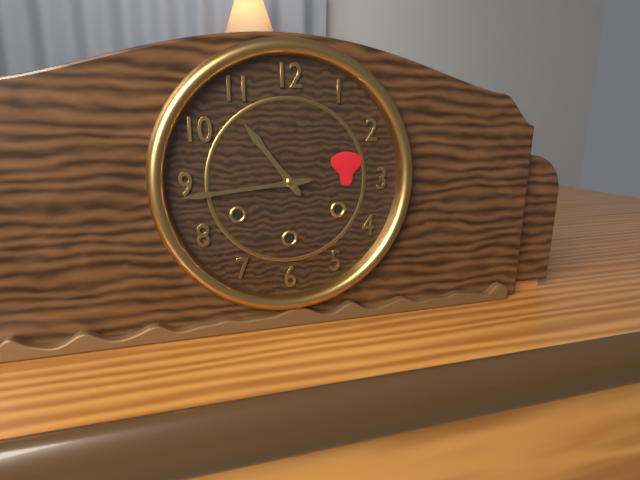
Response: 10:44
